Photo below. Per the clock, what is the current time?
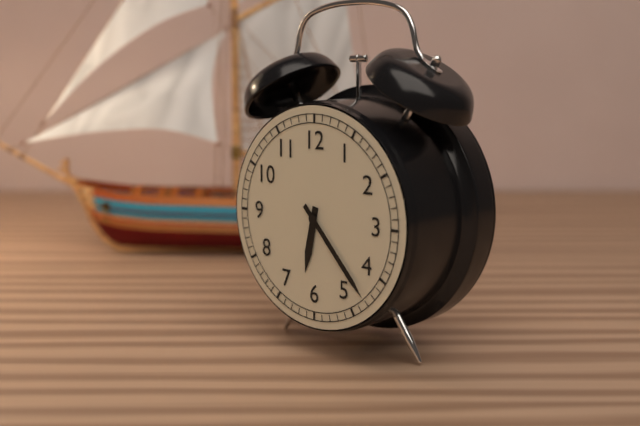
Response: 6:23
